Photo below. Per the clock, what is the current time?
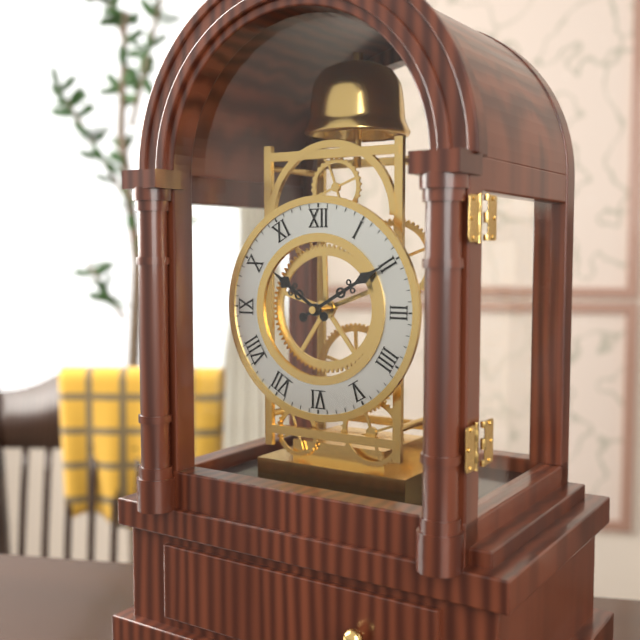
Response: 10:10
